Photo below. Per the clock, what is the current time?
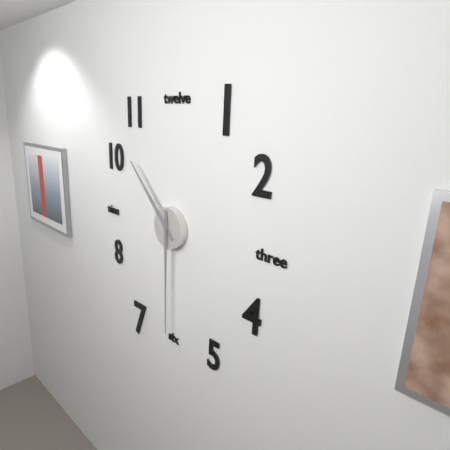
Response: 10:30
